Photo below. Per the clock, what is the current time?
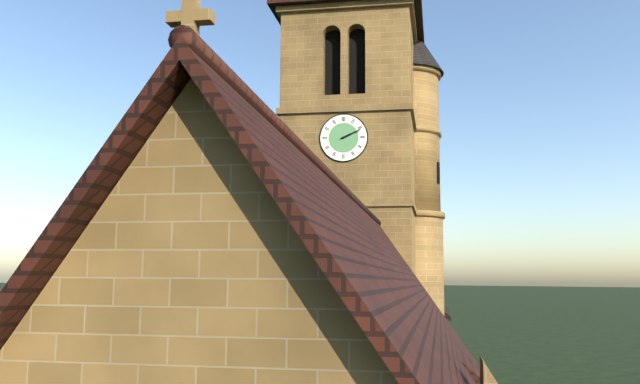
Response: 2:11
